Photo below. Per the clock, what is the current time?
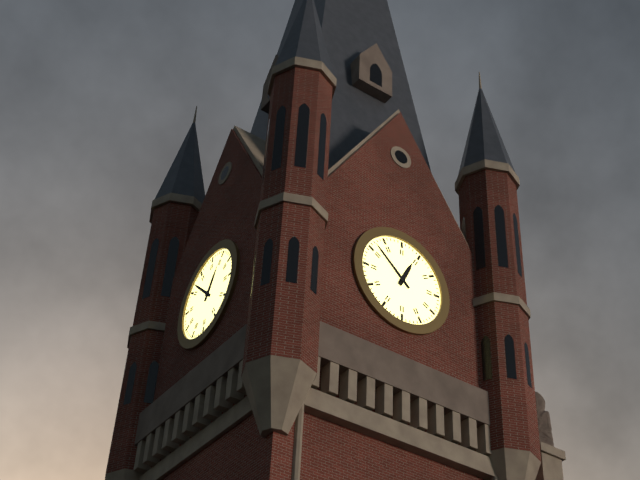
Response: 12:52
